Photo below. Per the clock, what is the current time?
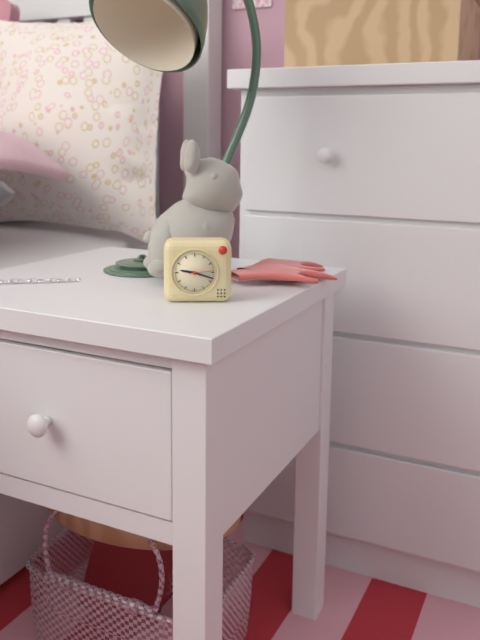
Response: 9:18
